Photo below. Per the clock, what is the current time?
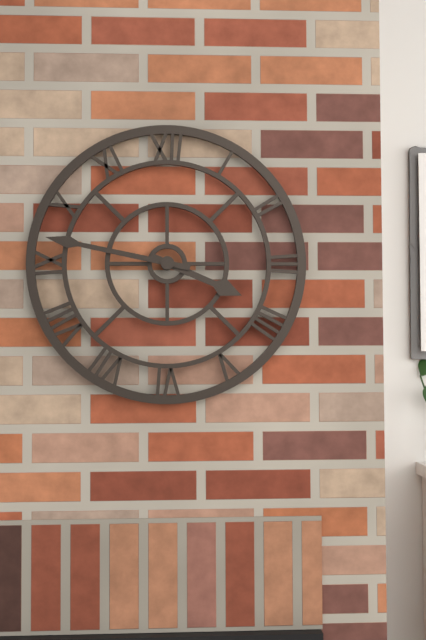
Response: 3:47
